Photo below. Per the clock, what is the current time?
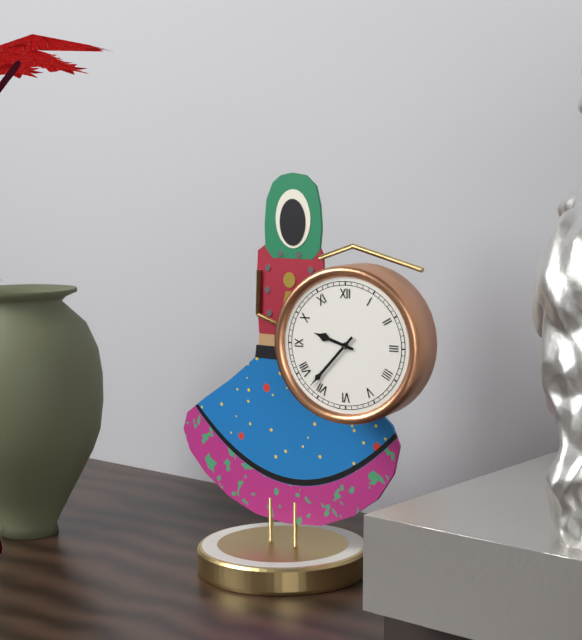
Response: 9:37
